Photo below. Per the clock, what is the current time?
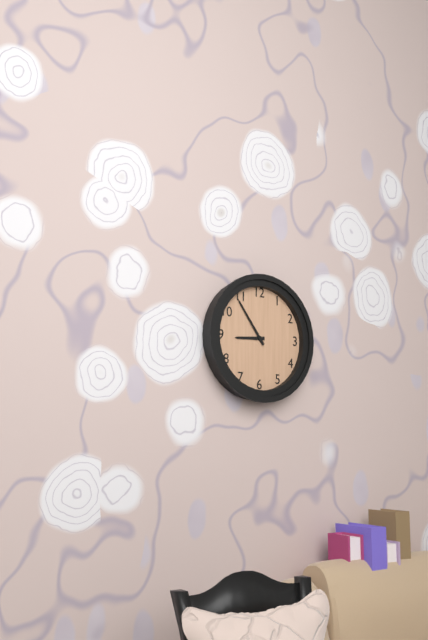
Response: 8:54
